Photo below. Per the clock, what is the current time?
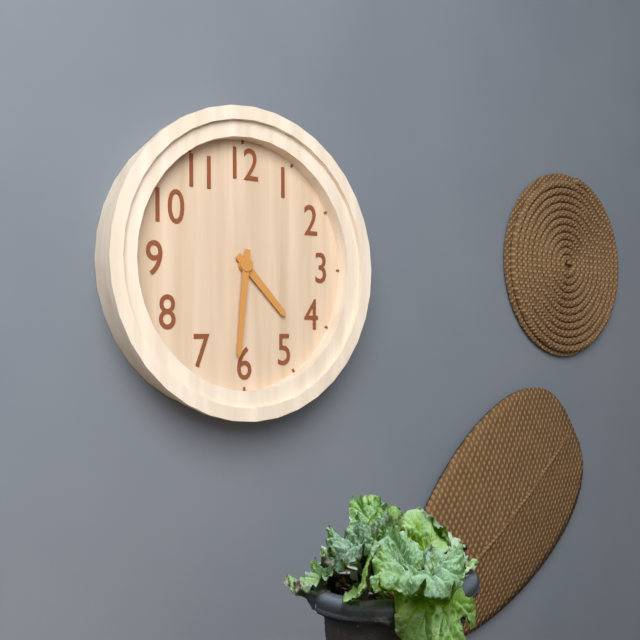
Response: 4:31
